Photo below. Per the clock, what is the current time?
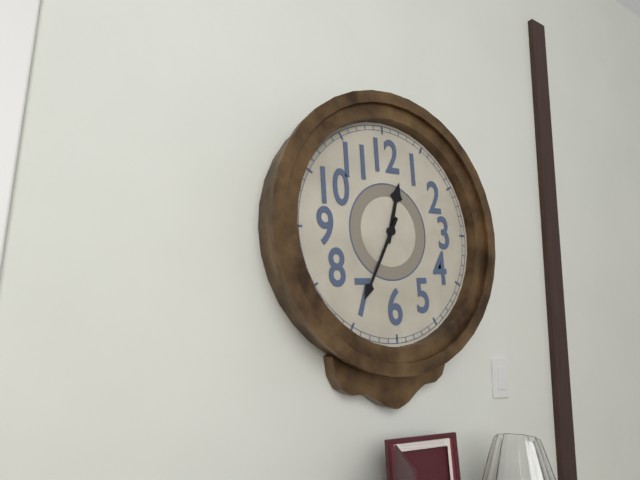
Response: 12:35
